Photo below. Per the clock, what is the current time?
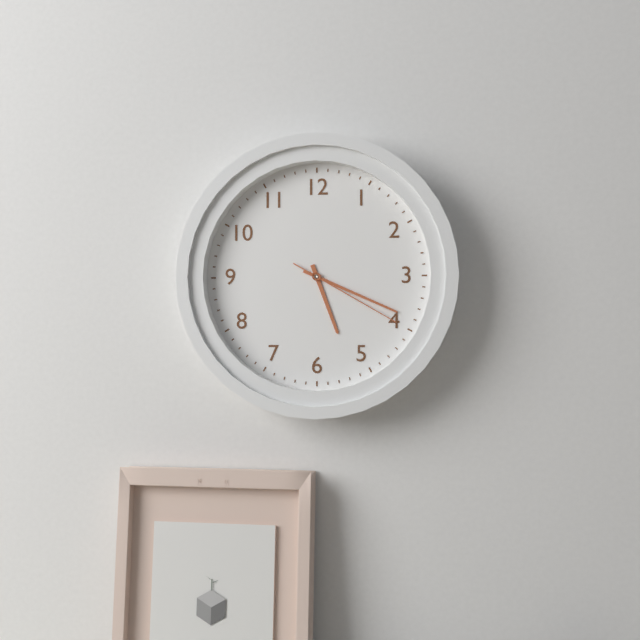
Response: 5:19:20
